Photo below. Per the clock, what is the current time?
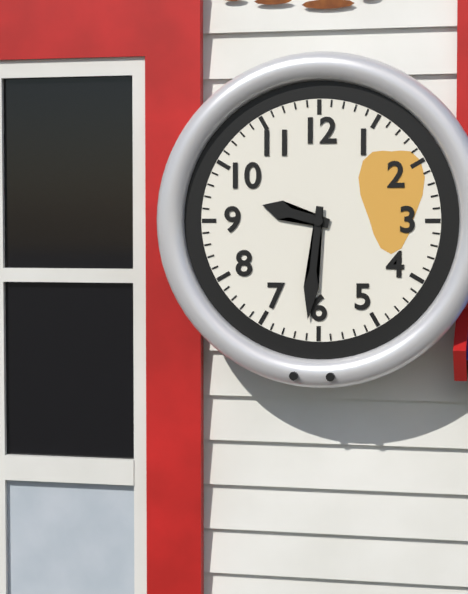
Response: 9:31
